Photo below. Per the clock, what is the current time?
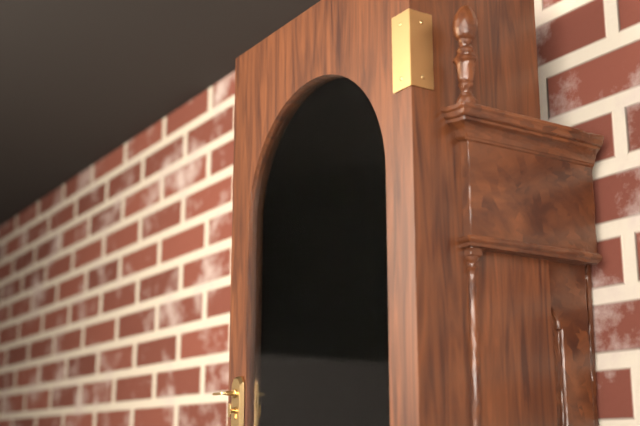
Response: 4:13
